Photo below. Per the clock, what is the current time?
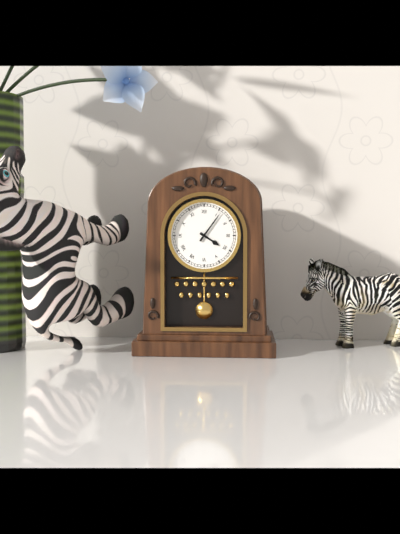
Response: 4:06
